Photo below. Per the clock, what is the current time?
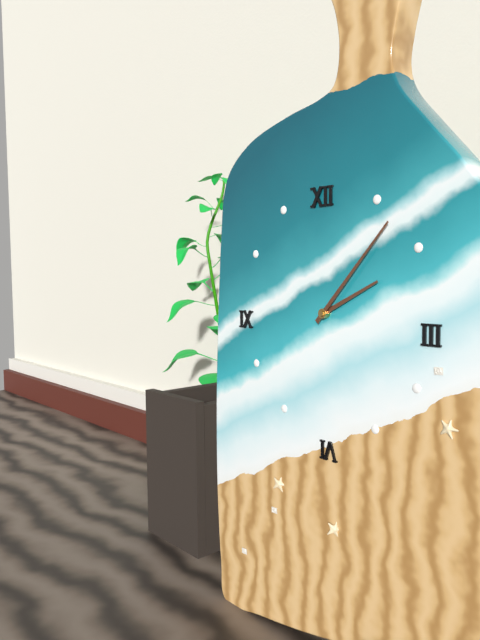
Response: 2:07
